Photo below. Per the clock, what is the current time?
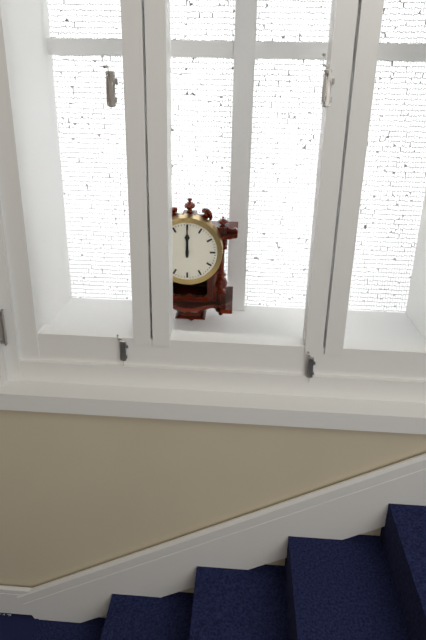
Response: 12:00
